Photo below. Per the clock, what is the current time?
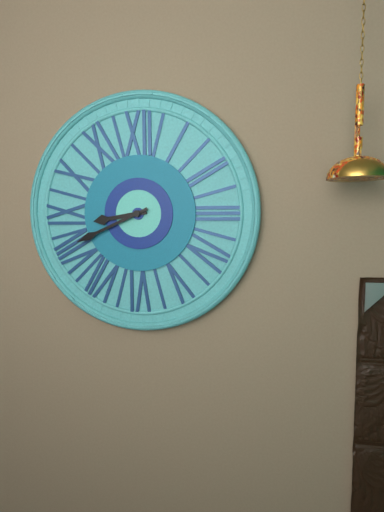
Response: 8:41
